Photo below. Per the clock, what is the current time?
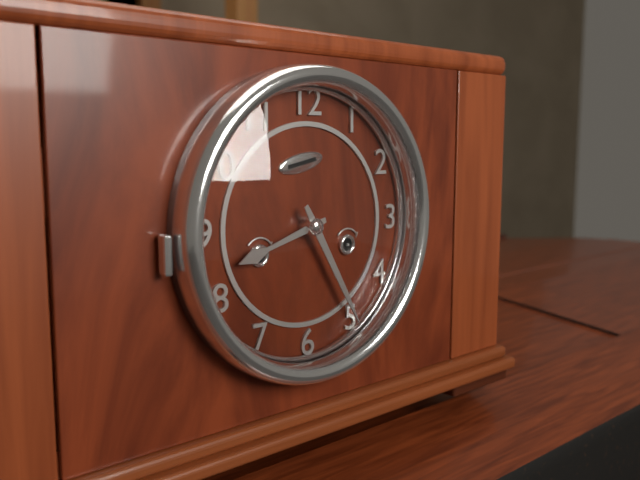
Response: 8:25
